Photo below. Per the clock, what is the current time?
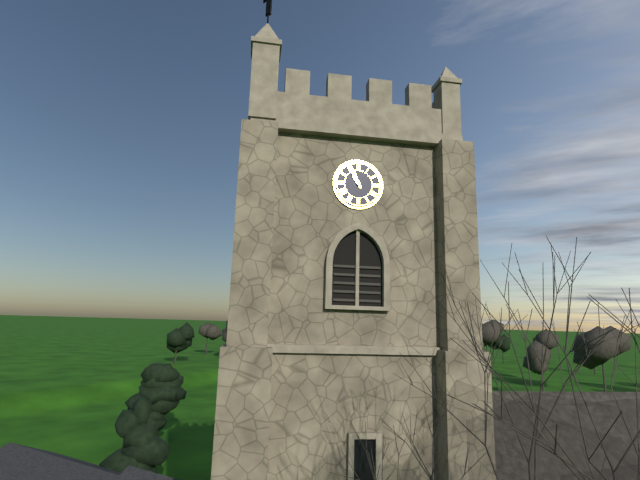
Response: 10:56
